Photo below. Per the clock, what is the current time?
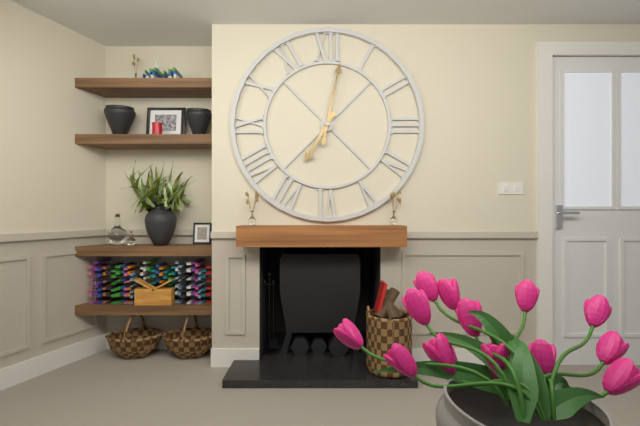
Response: 7:02
